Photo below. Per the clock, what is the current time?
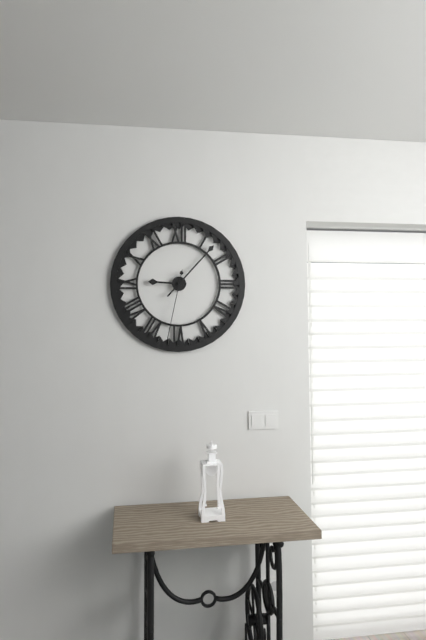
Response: 9:07:32
